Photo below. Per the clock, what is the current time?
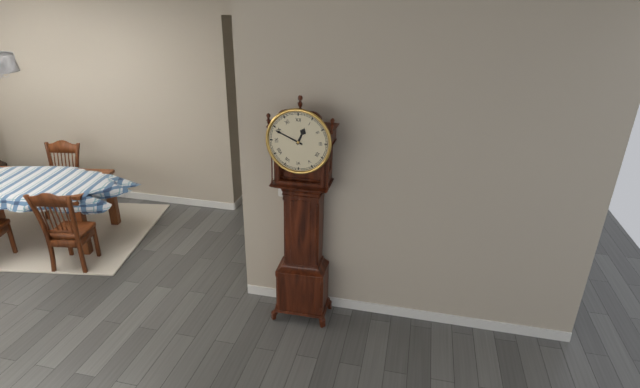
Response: 12:49
